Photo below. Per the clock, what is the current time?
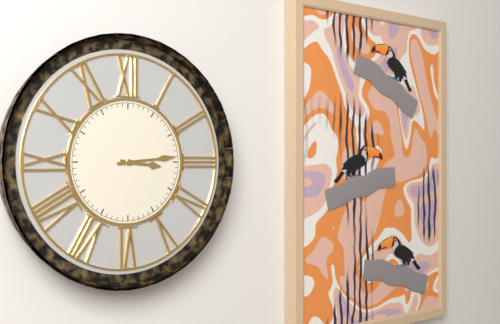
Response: 3:14
